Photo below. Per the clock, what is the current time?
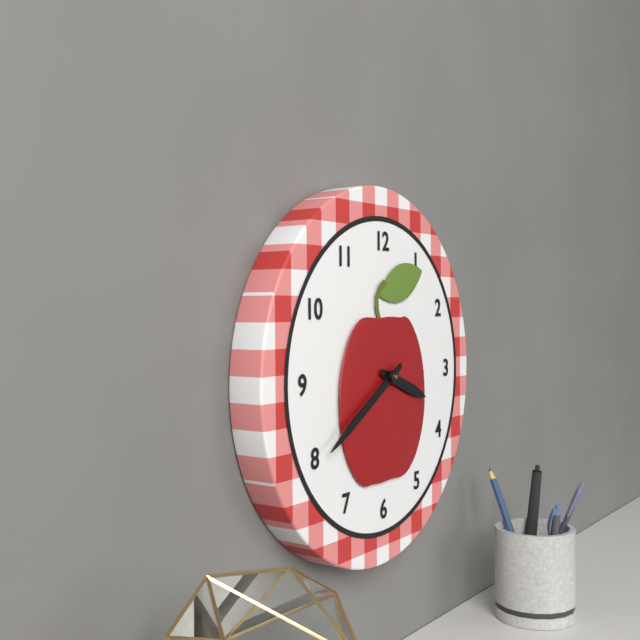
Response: 3:40
